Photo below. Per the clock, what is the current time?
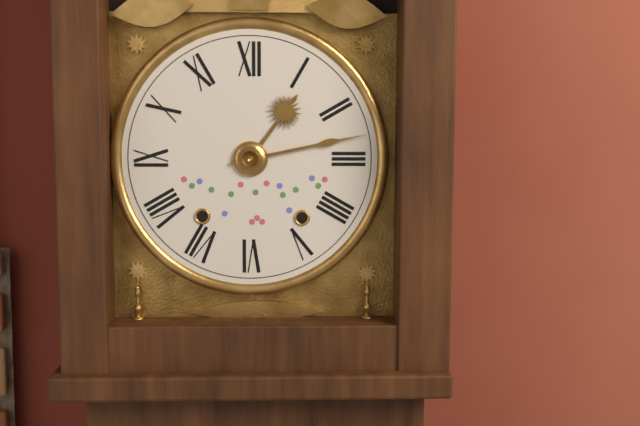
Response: 1:13
